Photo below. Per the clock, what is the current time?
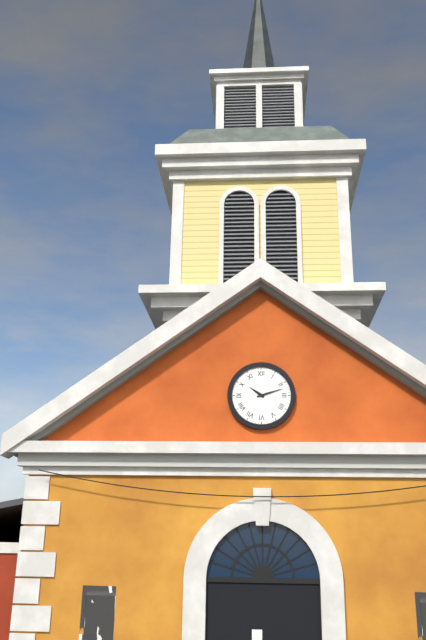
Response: 10:12
